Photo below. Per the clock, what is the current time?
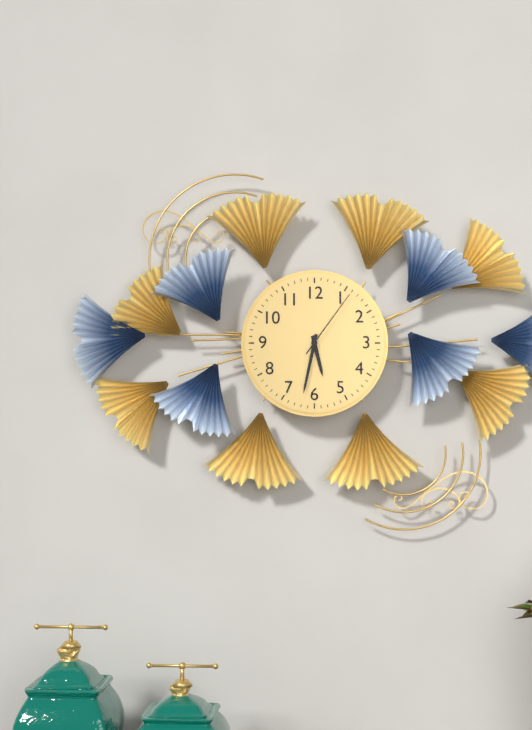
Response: 5:32:06
